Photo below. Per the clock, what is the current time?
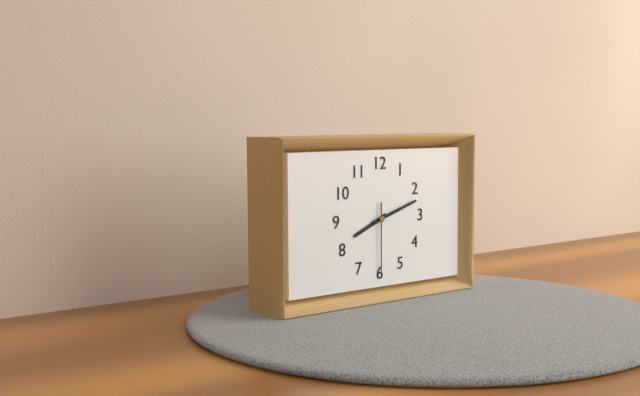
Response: 8:12:30
